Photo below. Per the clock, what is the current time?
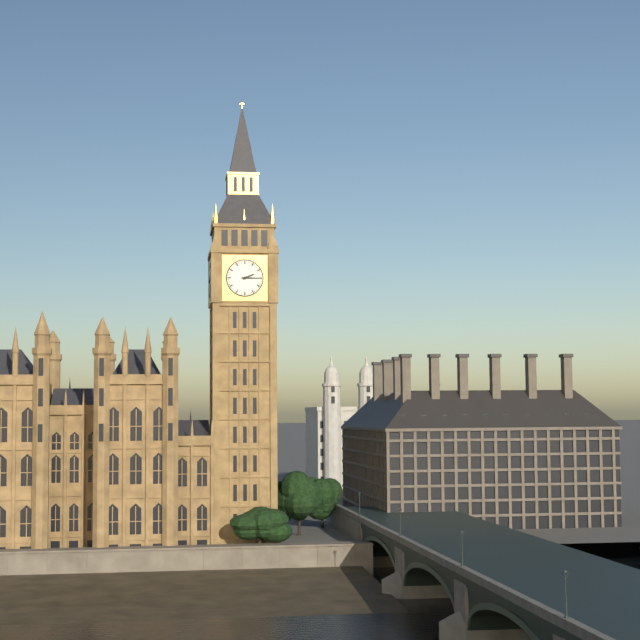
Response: 2:15
